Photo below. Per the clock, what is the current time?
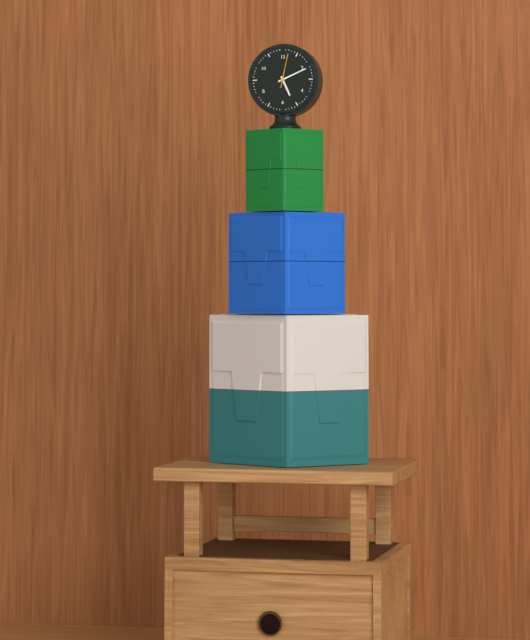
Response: 5:11
